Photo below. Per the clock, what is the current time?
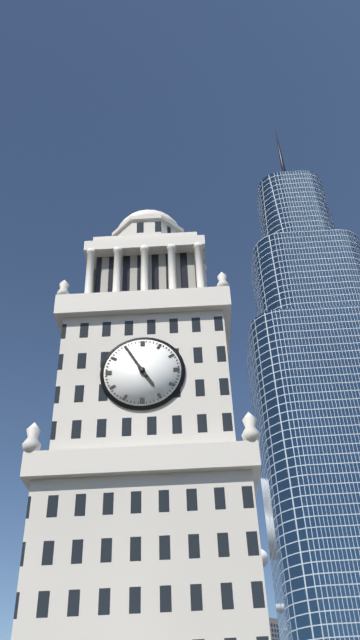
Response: 4:55
